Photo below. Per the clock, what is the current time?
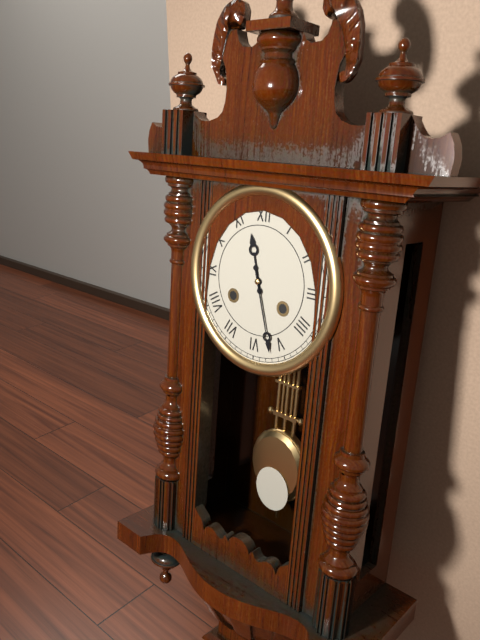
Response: 11:27
